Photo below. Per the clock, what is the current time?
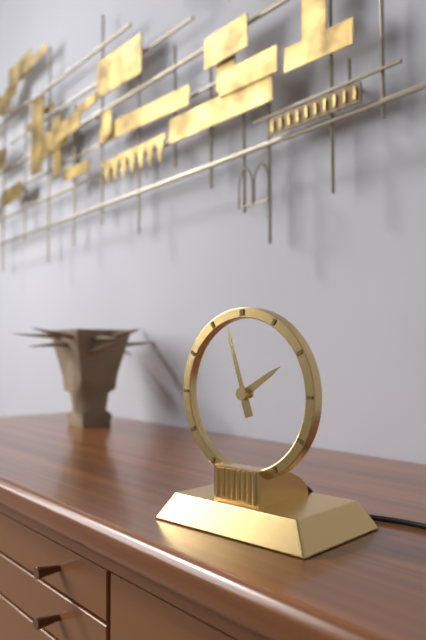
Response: 1:57
